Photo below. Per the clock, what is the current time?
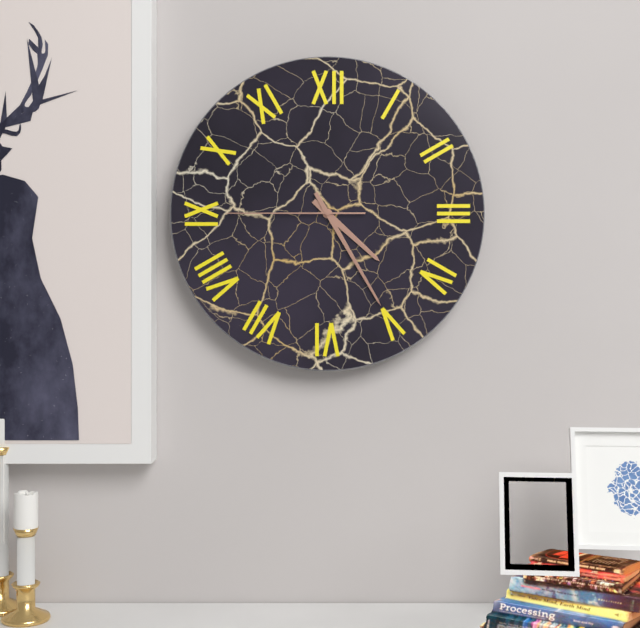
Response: 4:25:45
